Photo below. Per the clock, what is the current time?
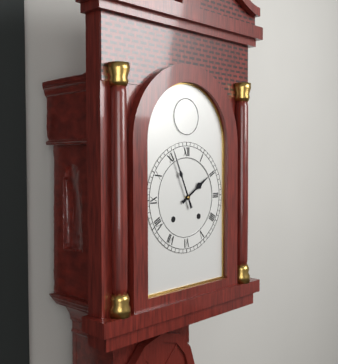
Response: 1:56
